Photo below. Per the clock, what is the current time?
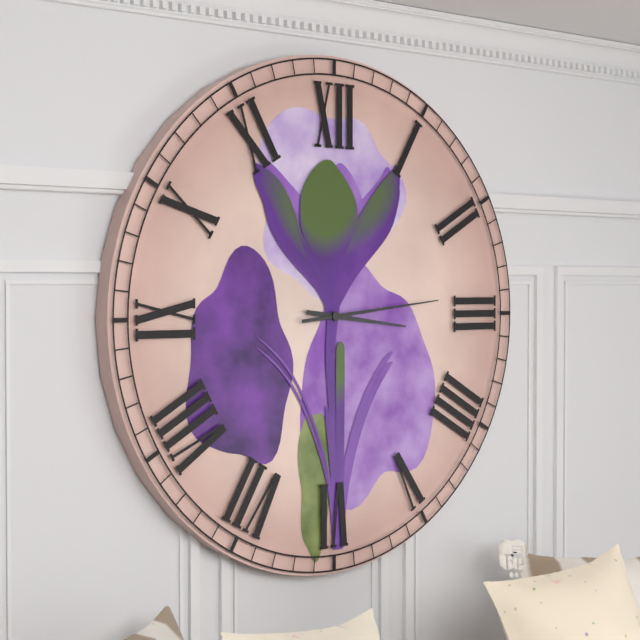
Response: 3:14
